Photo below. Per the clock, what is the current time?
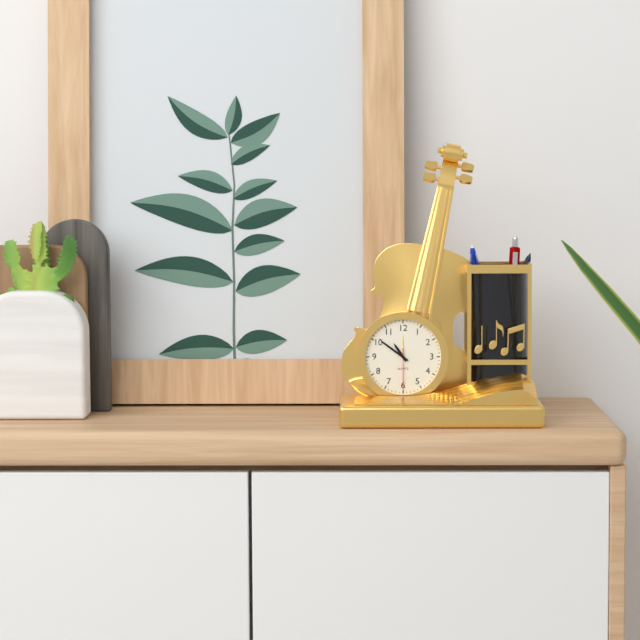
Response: 10:51
